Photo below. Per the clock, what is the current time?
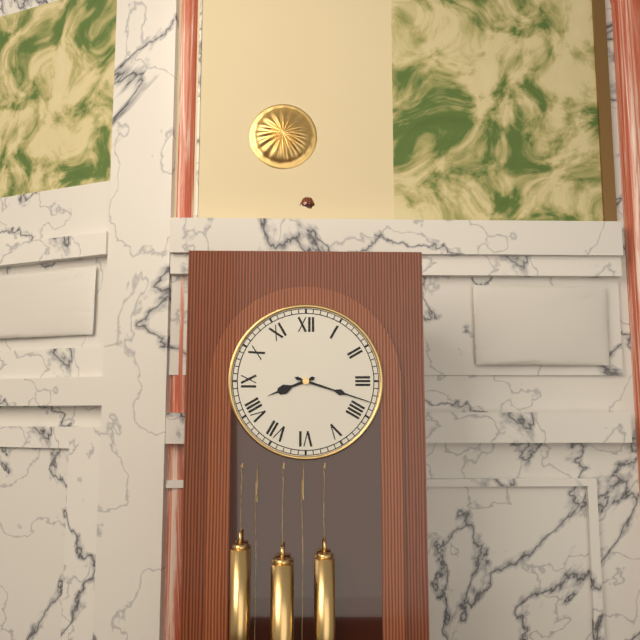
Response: 8:18
